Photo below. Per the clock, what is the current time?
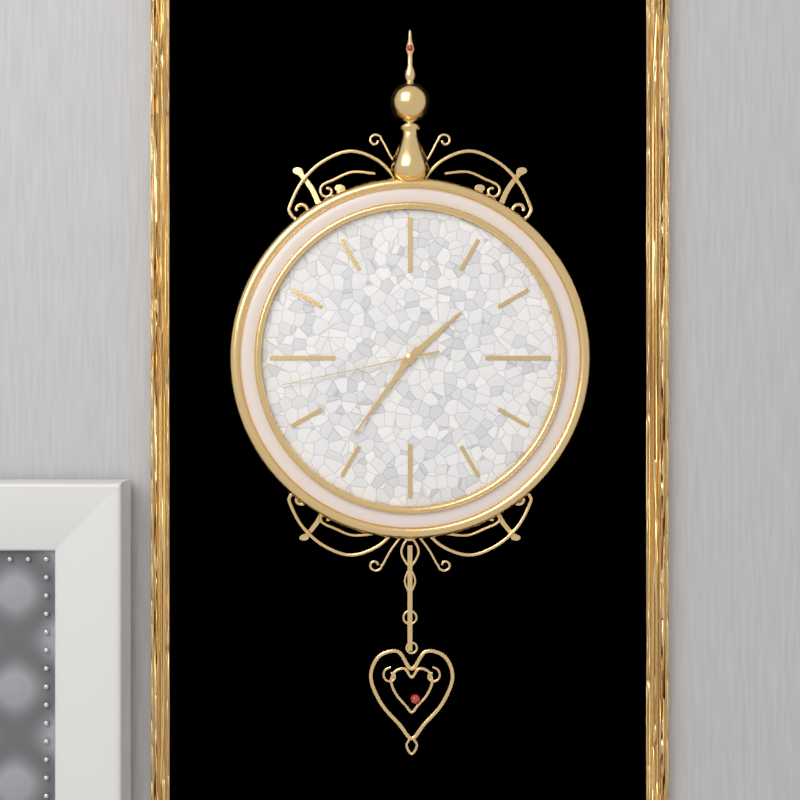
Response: 1:36:43
